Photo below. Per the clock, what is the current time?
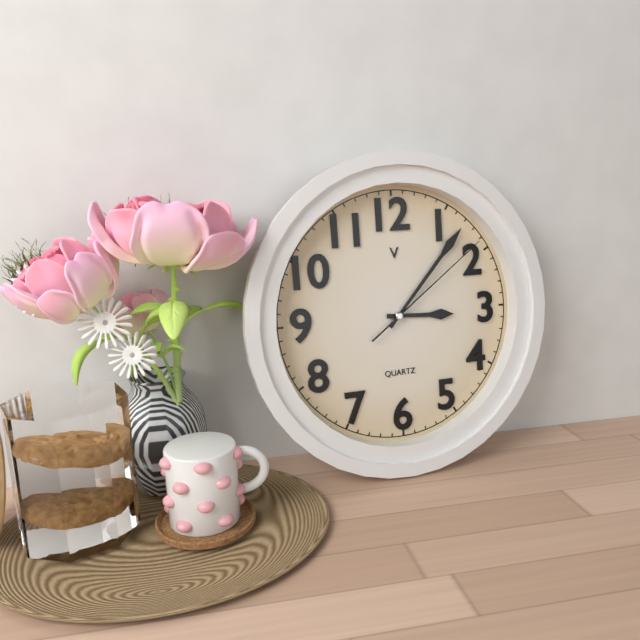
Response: 3:07:09
